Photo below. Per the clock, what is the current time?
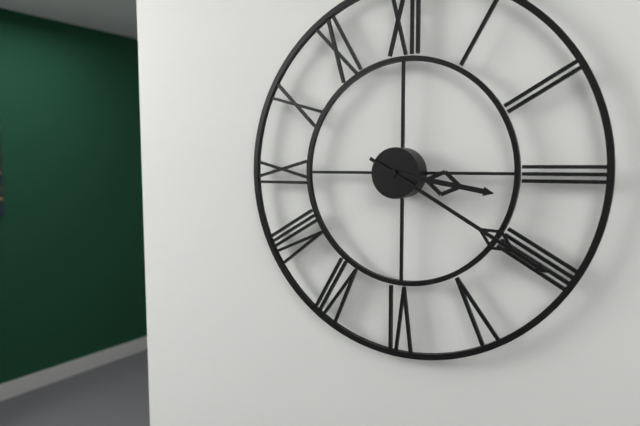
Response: 3:20
